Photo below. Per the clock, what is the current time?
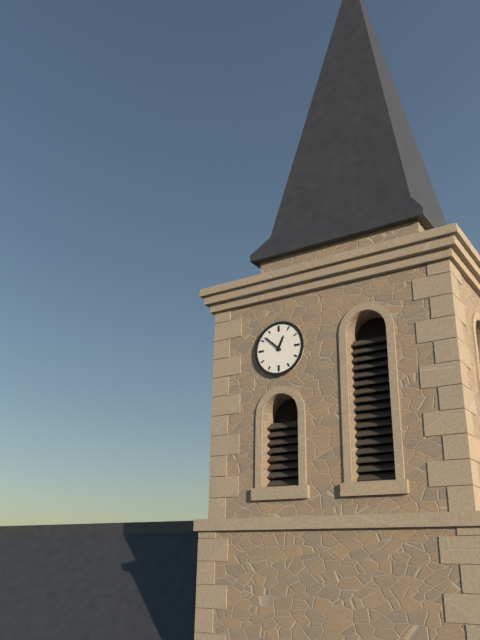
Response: 12:52
